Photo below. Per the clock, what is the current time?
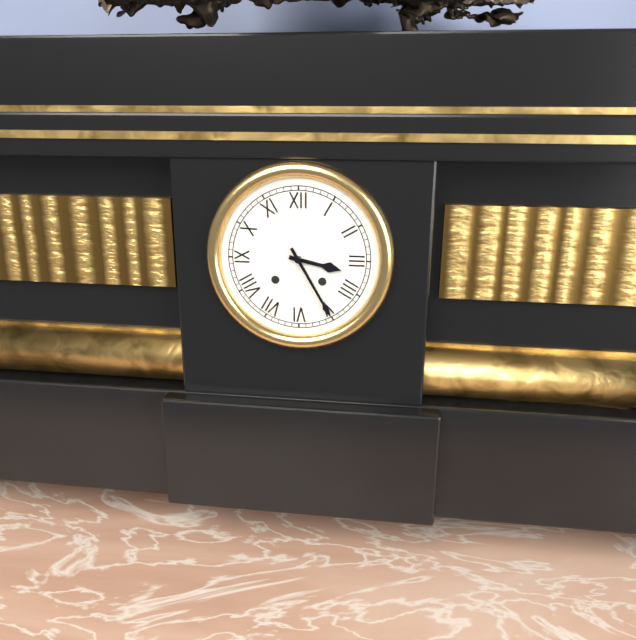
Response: 3:25
